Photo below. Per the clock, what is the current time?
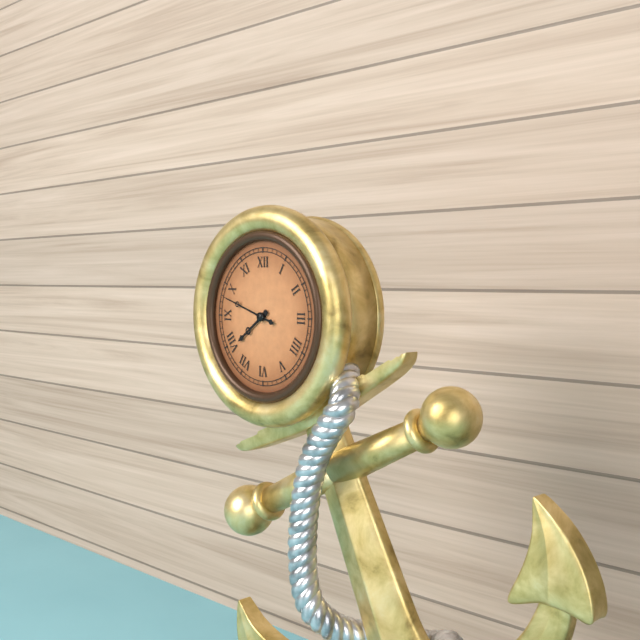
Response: 7:48
